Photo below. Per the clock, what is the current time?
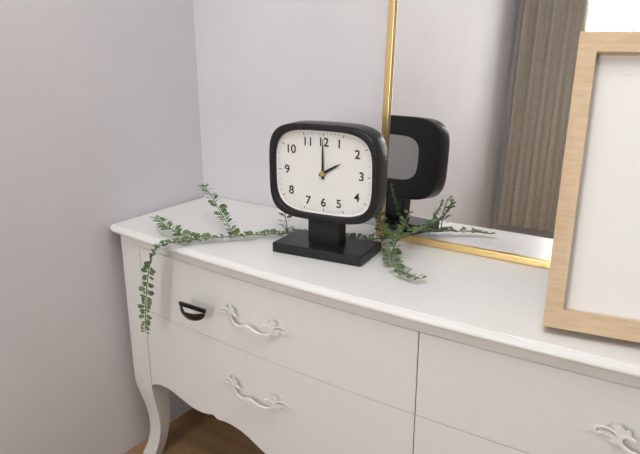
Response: 2:00
